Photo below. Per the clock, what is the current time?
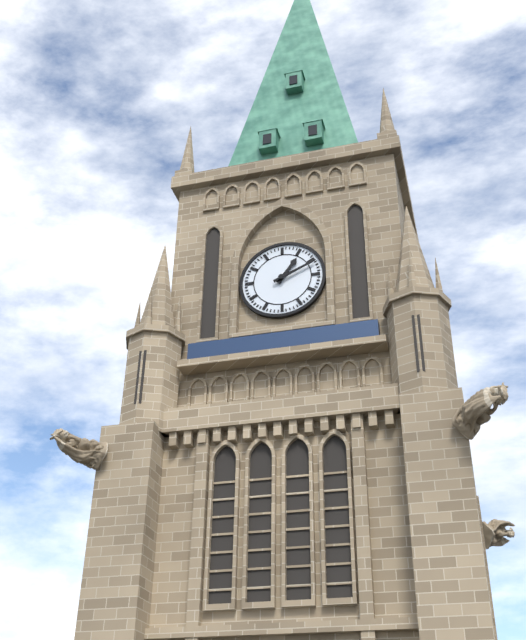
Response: 1:11
